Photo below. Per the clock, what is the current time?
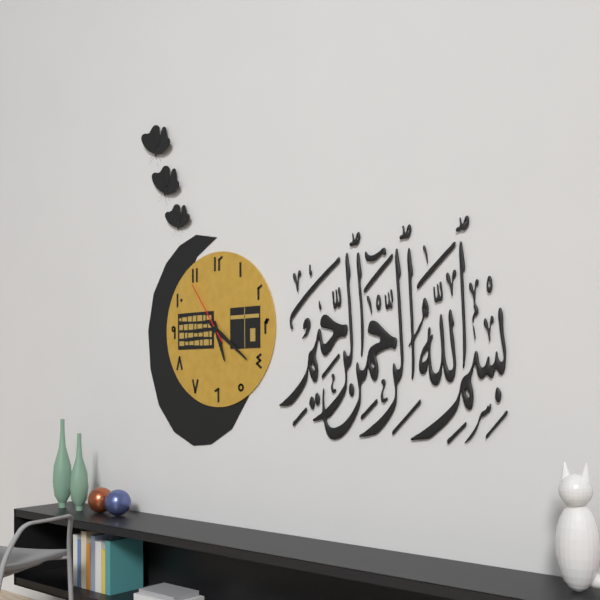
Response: 5:21:54
